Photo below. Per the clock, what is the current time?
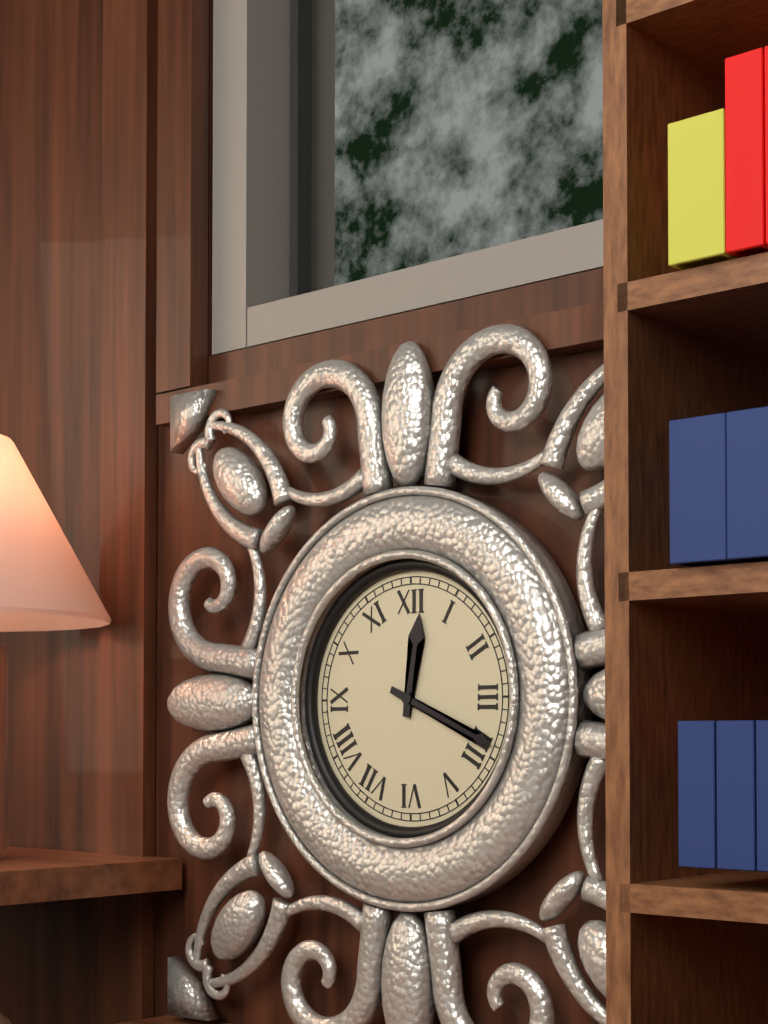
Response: 12:19
